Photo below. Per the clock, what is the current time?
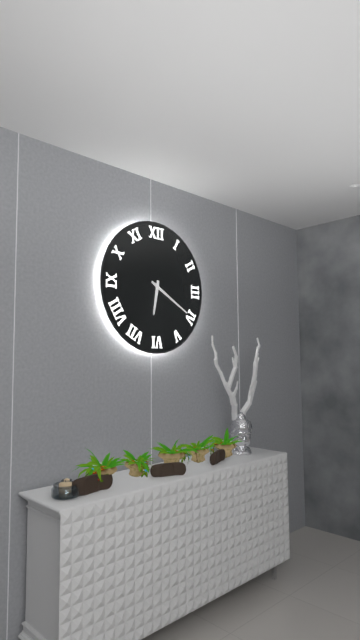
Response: 6:20
